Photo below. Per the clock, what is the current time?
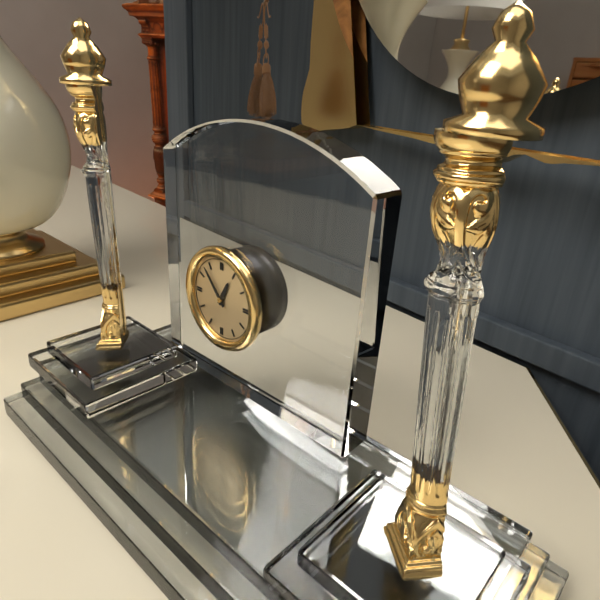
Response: 12:53
